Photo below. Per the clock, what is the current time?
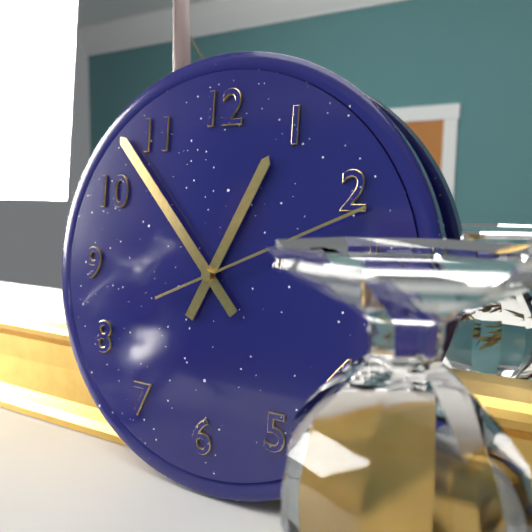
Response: 12:53:11
